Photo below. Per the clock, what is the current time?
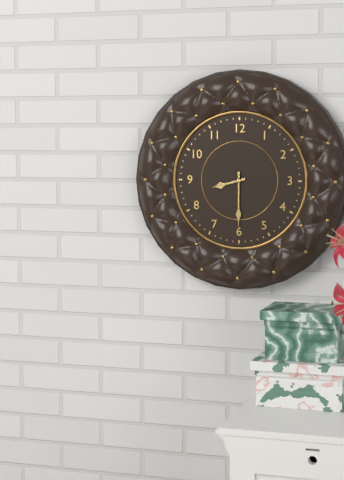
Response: 8:30
